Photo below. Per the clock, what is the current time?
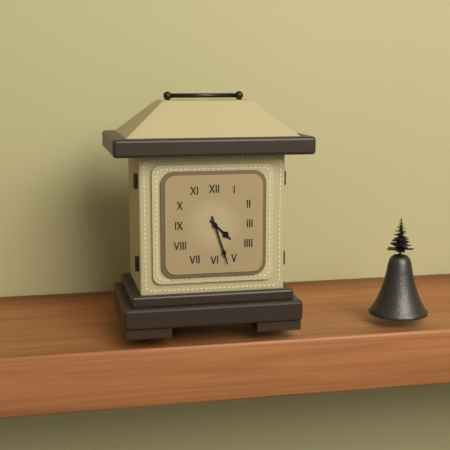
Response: 4:27
